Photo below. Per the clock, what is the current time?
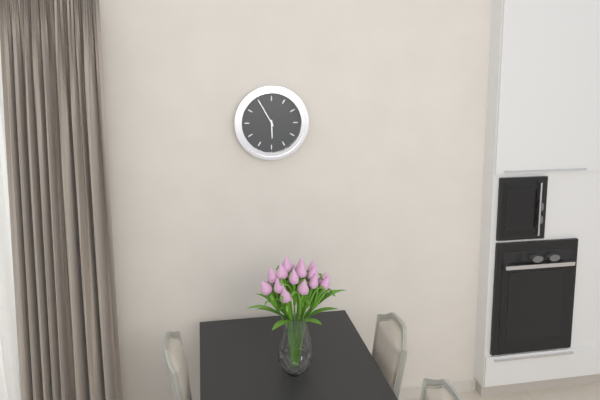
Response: 5:55
